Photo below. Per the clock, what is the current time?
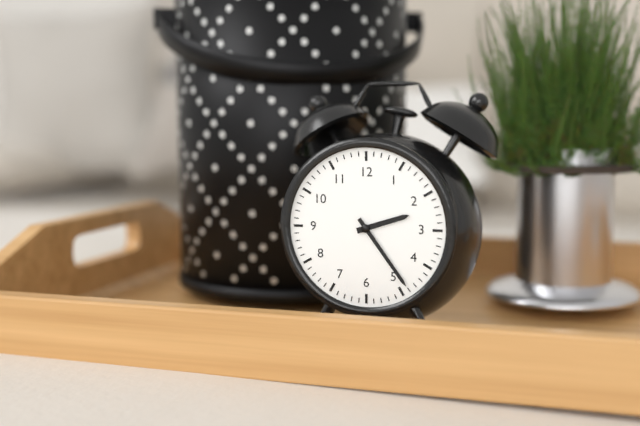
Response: 2:24
